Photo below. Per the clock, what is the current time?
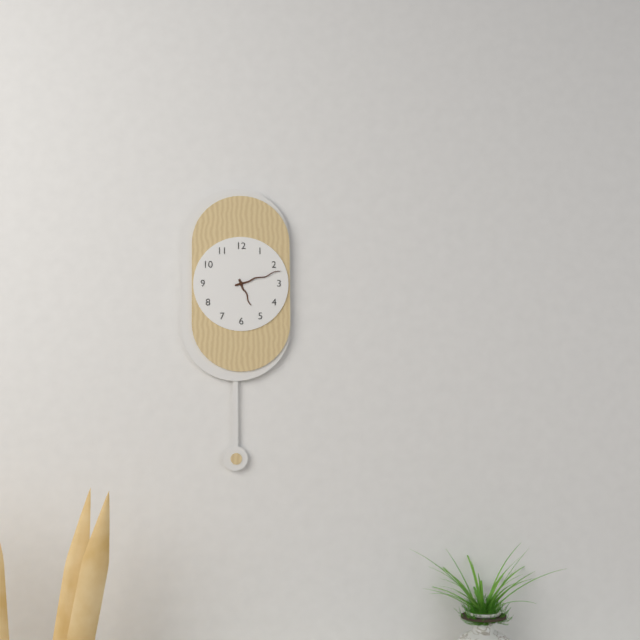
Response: 5:12
